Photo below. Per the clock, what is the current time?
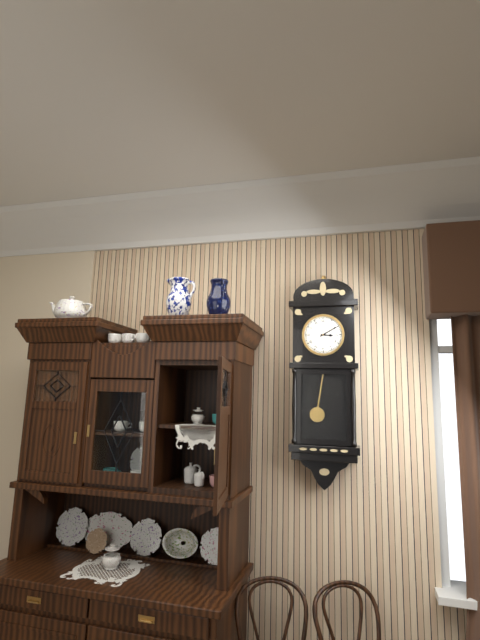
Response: 3:10
